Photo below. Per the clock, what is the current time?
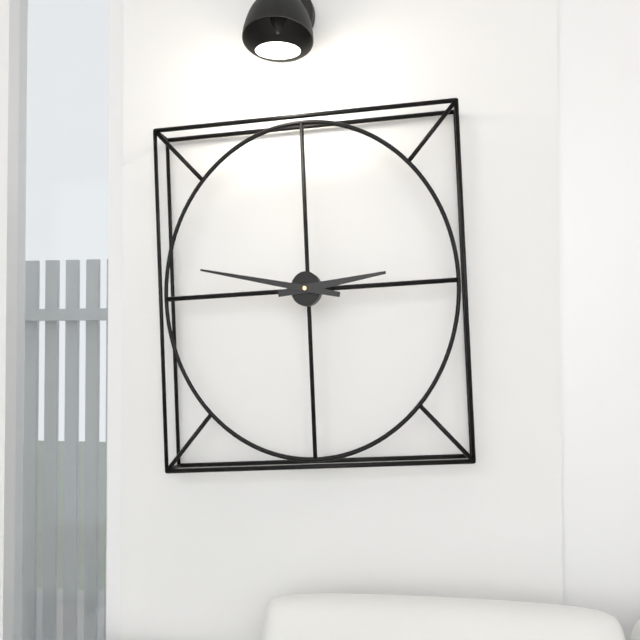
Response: 2:47
